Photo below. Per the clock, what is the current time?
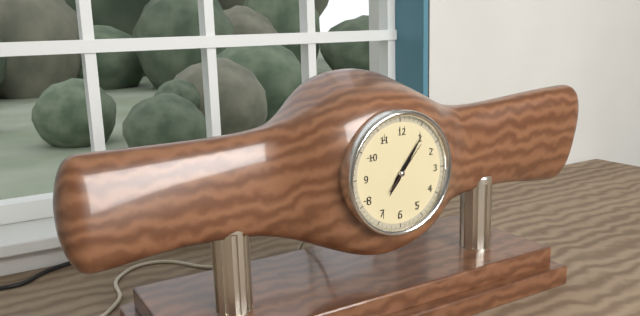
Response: 7:06
